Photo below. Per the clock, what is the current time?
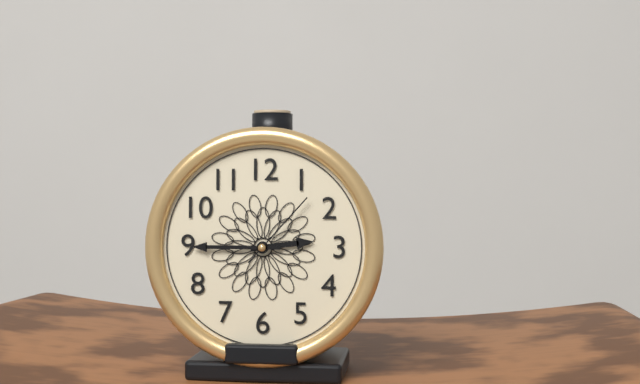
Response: 2:45:07
